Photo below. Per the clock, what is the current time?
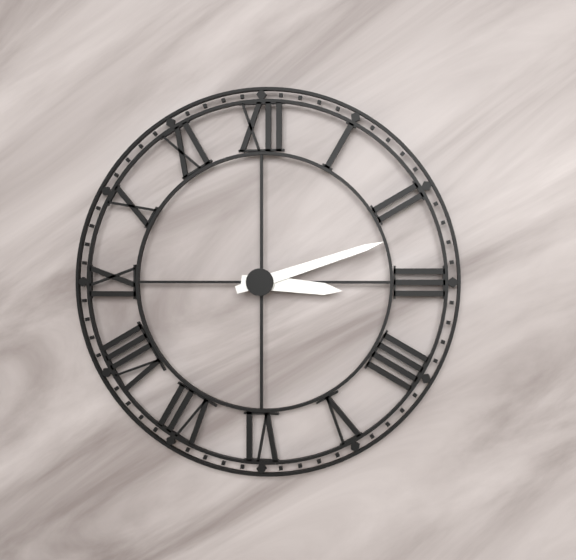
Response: 3:12
